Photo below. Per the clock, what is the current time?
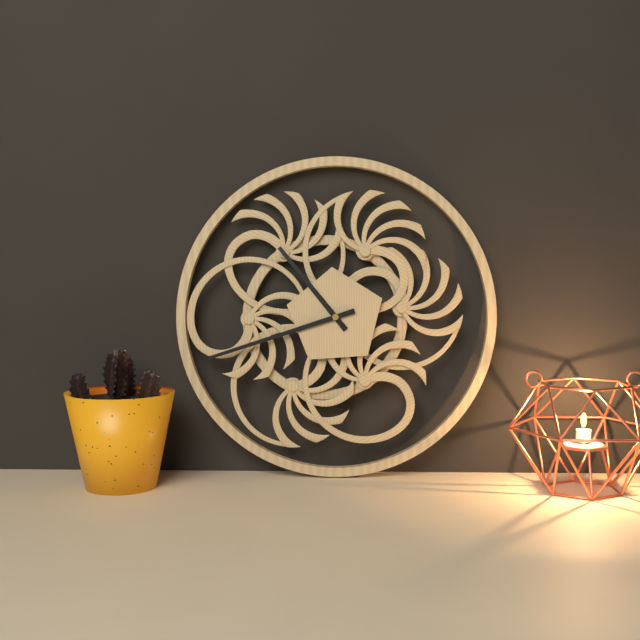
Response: 10:42
